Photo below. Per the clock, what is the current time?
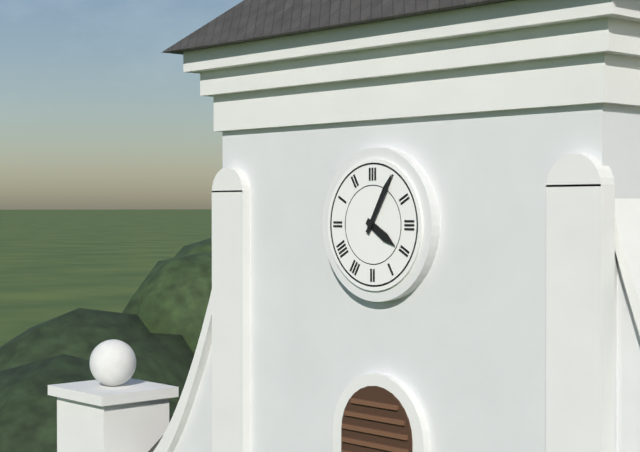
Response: 4:05
